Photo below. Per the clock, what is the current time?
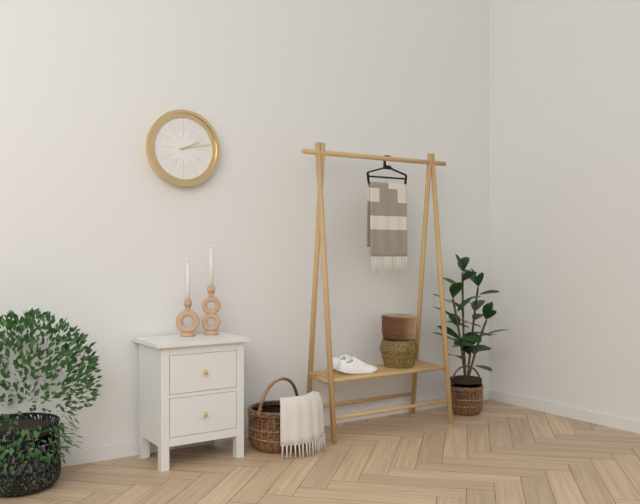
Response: 2:13
